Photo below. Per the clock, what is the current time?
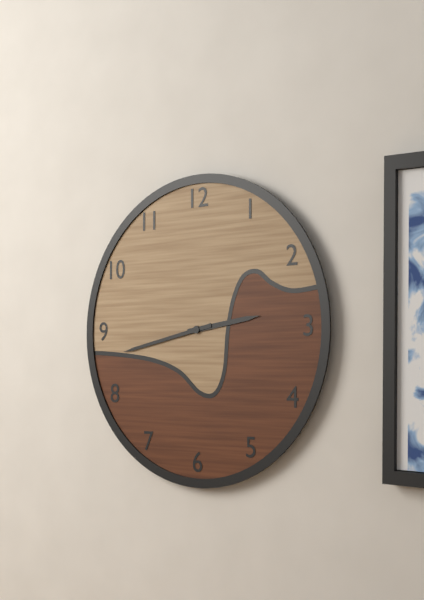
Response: 2:43
